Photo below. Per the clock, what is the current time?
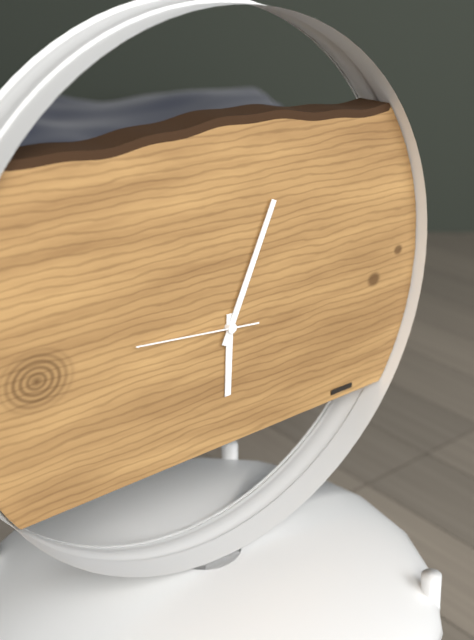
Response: 6:04:46
